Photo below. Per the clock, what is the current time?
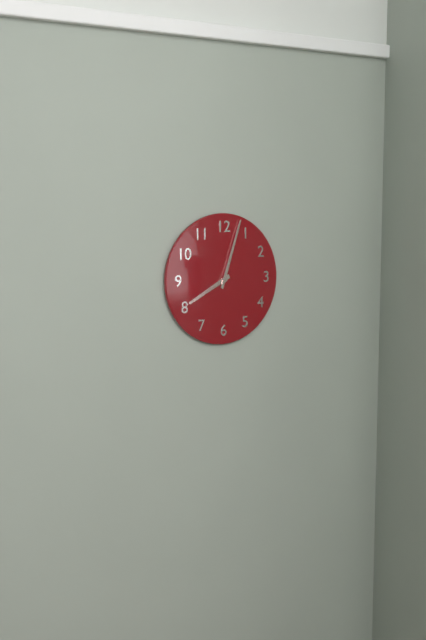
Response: 8:03
